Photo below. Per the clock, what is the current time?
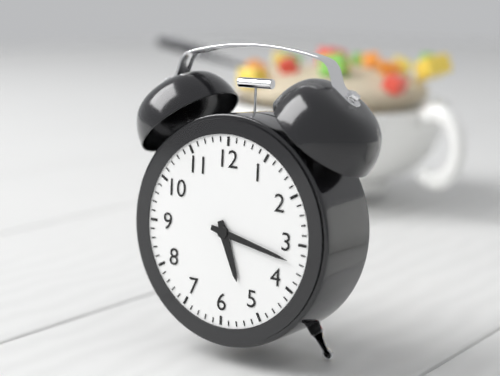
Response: 5:17
